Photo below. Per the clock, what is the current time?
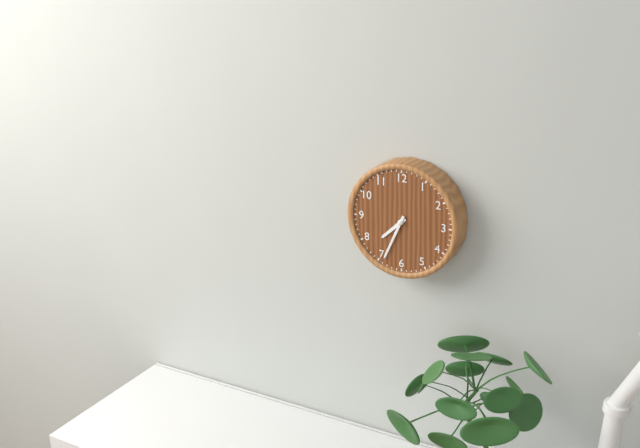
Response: 7:34
